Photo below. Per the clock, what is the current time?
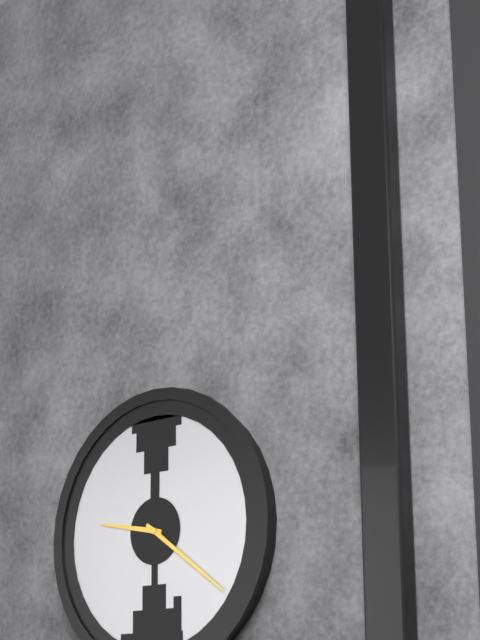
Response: 9:21
